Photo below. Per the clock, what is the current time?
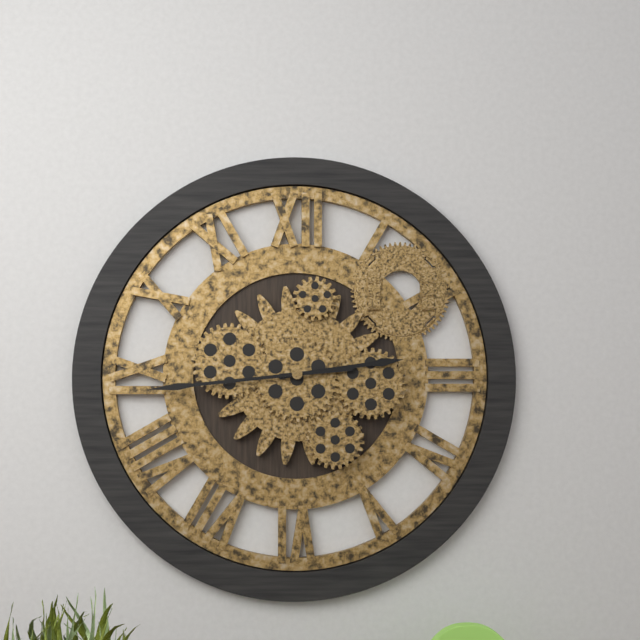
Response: 2:44
